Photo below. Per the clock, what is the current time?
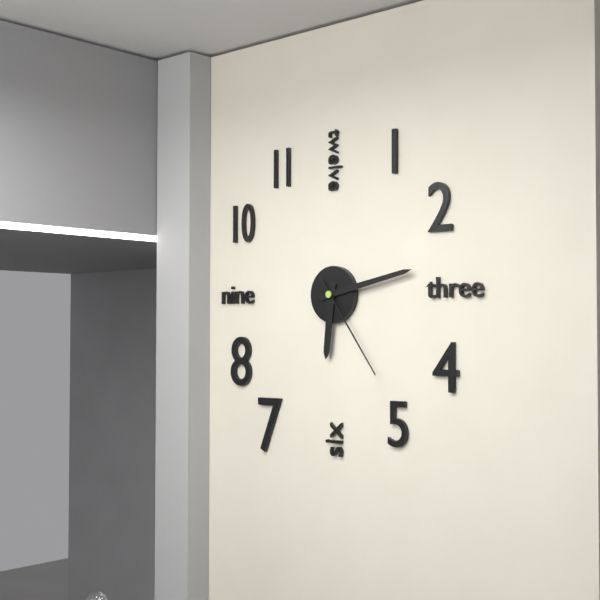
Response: 6:13:24
